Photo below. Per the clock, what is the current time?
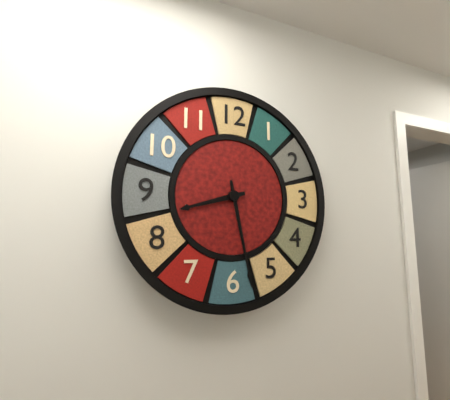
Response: 8:28
